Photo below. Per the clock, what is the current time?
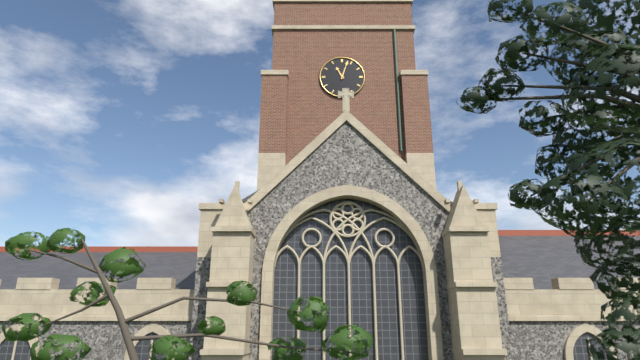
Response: 11:03
